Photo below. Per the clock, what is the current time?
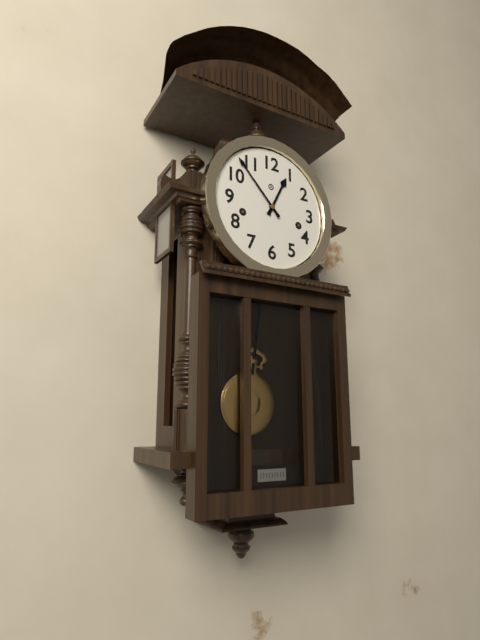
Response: 12:53
